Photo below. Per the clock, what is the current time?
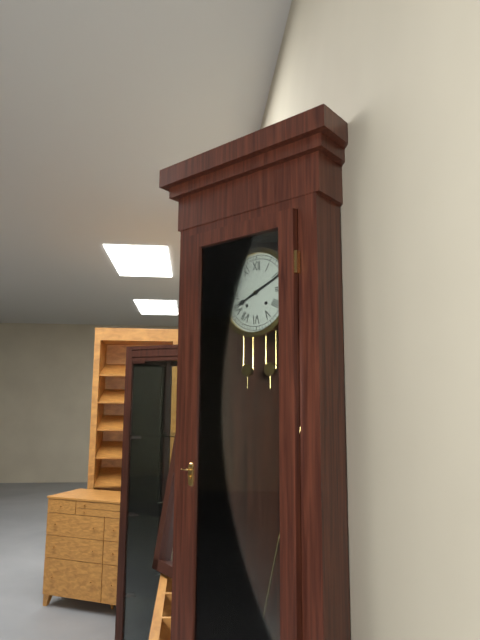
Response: 8:11
